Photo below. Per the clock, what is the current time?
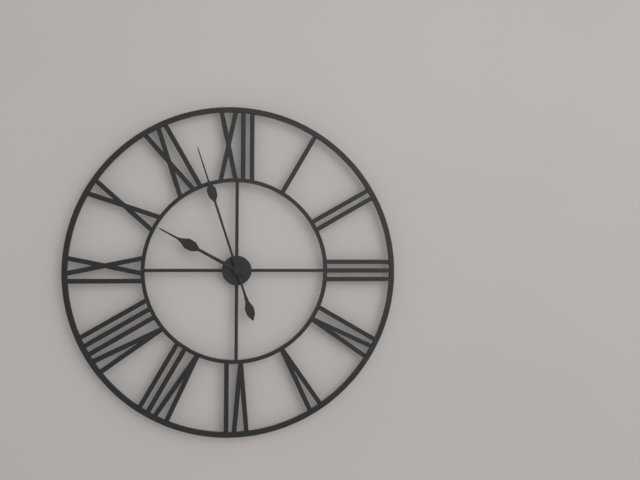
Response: 9:57
